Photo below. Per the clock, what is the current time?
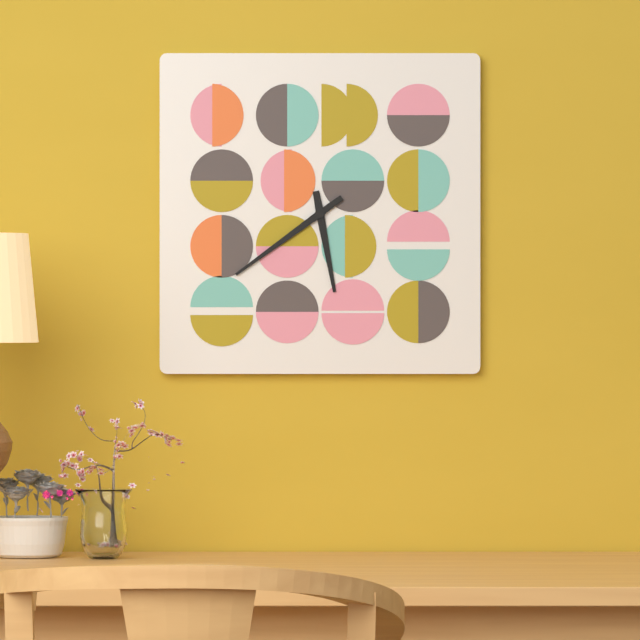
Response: 5:39
